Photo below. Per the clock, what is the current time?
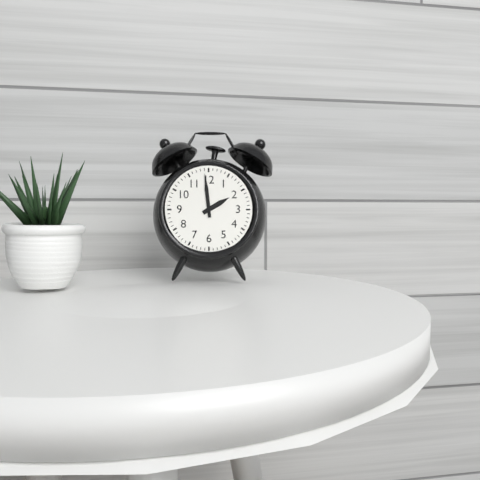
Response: 1:59
